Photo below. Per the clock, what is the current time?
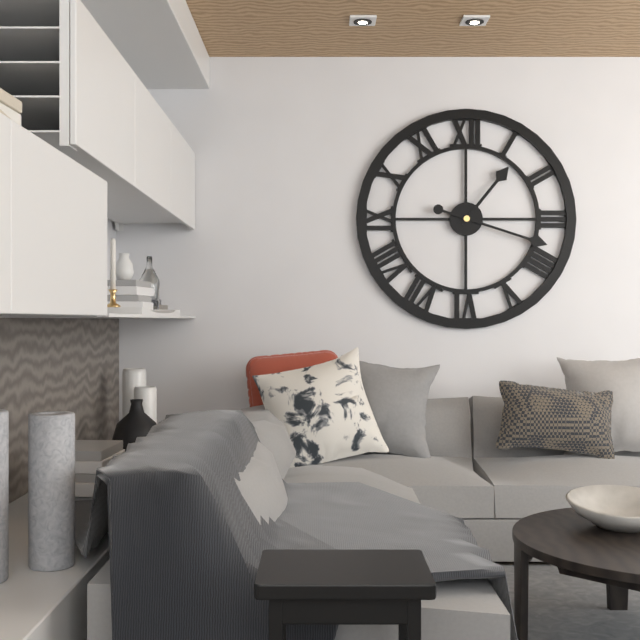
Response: 1:18
